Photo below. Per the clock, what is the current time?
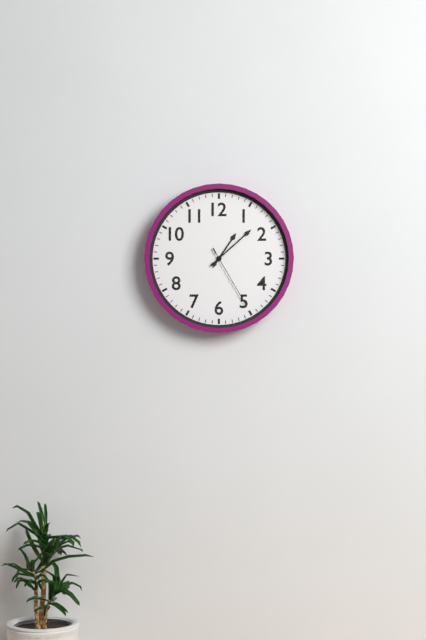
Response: 1:08:25
